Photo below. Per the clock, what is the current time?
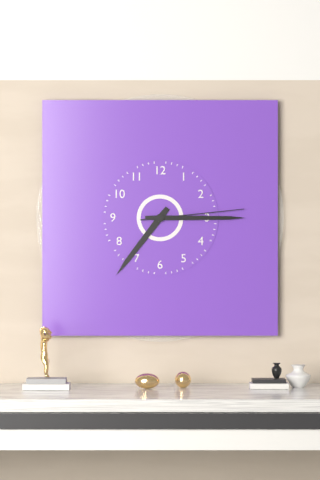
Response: 7:15:14
